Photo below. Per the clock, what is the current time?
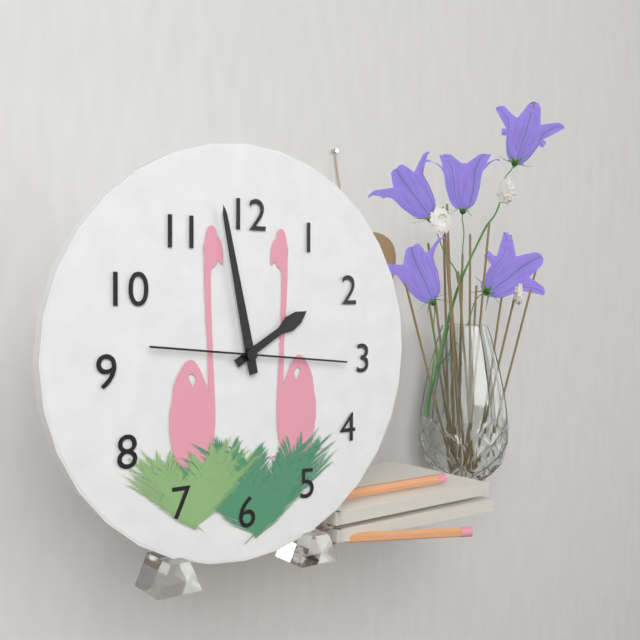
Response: 1:58:16
